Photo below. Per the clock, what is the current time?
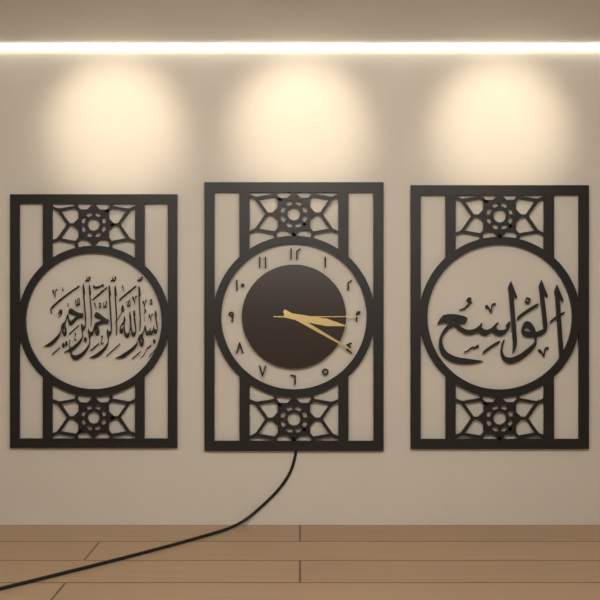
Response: 3:20:15
